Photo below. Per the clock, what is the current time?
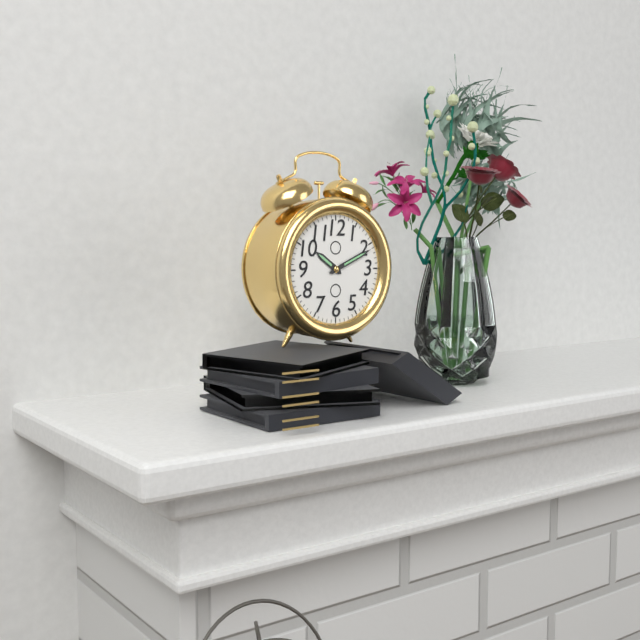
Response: 10:11
